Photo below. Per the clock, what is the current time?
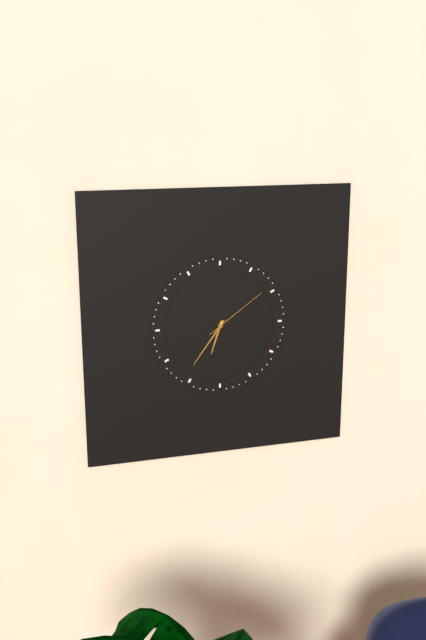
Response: 6:36:09
